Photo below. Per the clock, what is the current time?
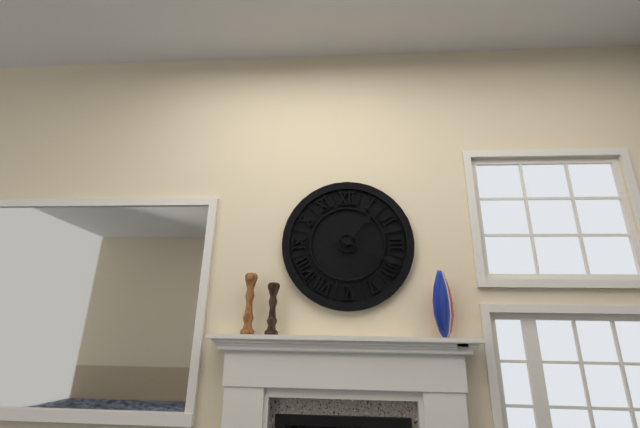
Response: 1:19
